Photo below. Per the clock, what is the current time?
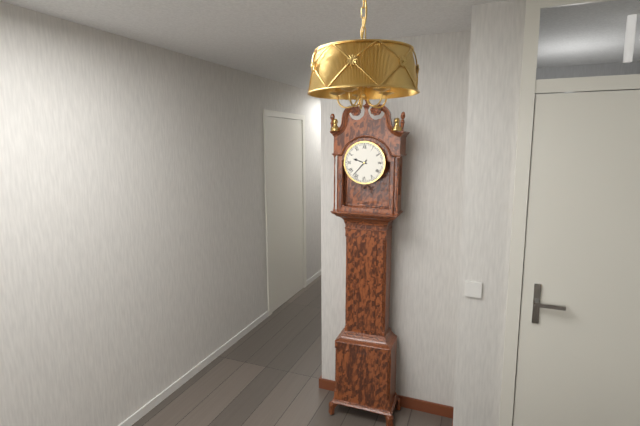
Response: 9:37
